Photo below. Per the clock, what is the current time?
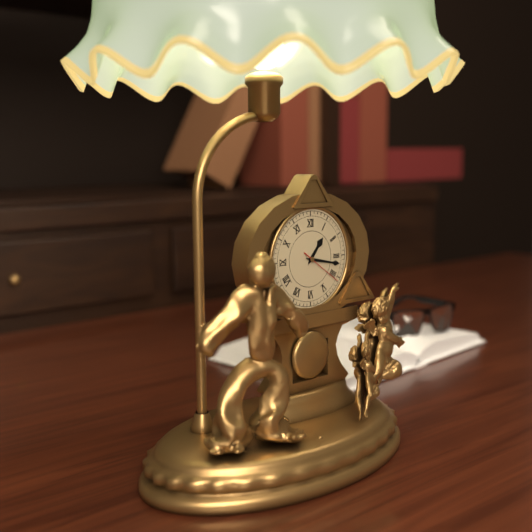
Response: 1:17
